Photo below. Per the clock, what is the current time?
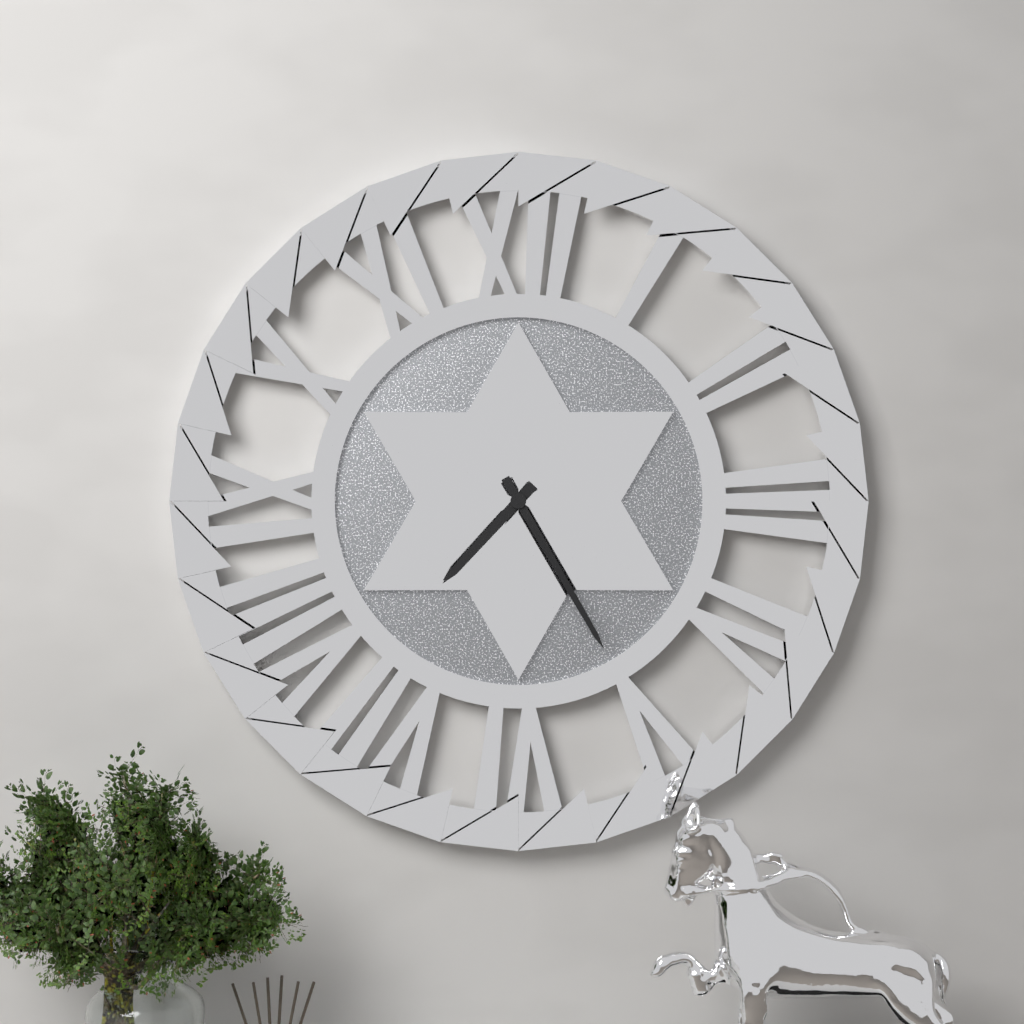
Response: 7:25
